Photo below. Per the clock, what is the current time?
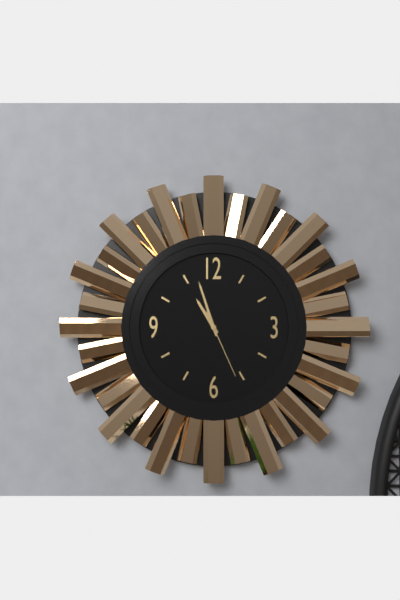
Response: 10:57:26
